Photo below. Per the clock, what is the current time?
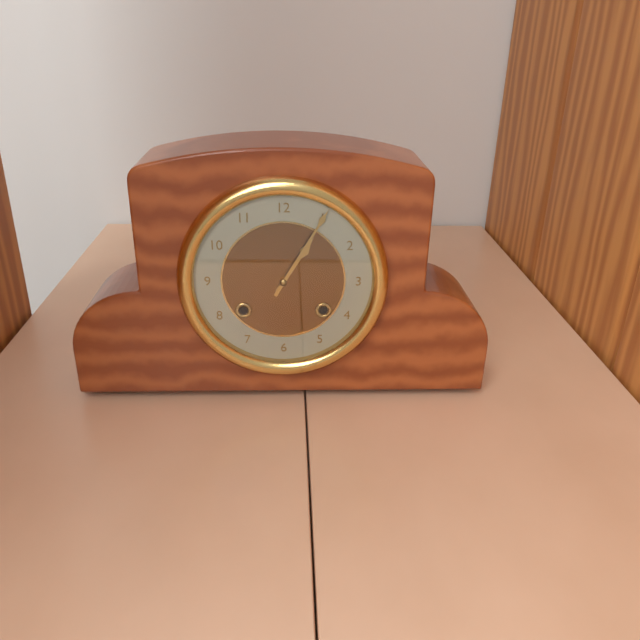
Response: 1:05
